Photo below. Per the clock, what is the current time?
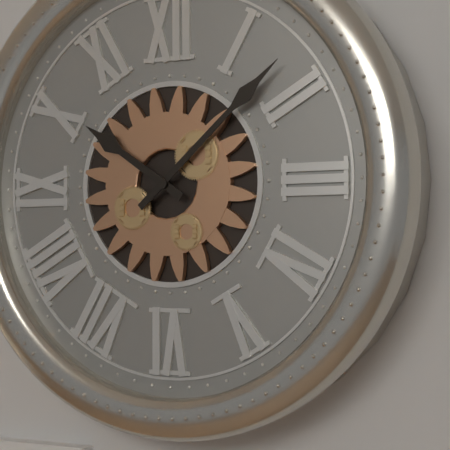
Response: 10:08
